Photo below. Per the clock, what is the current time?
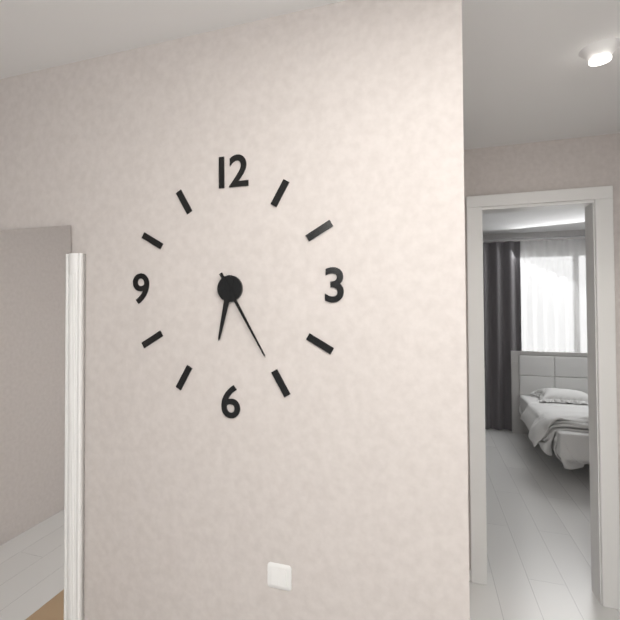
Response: 6:25
